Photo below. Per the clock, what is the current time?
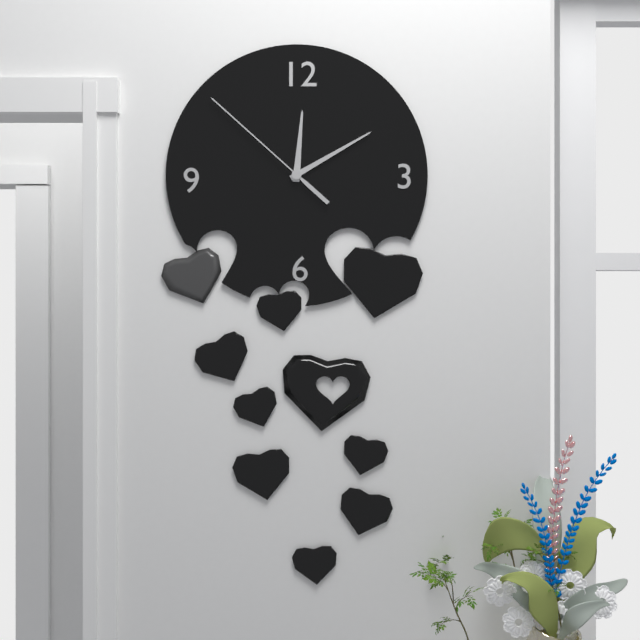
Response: 12:10:52
